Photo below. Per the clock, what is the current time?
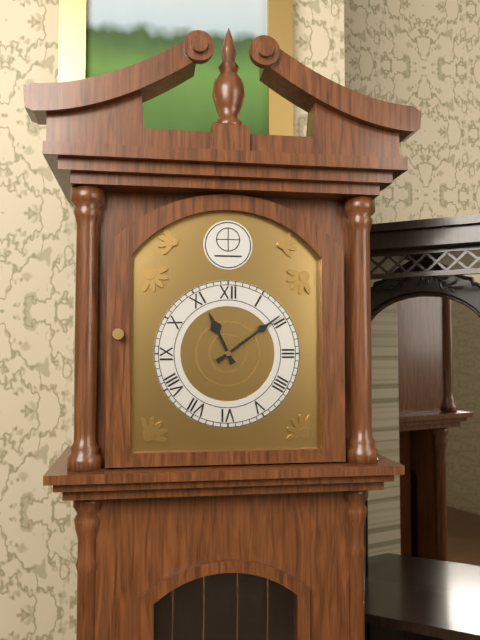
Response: 11:09
